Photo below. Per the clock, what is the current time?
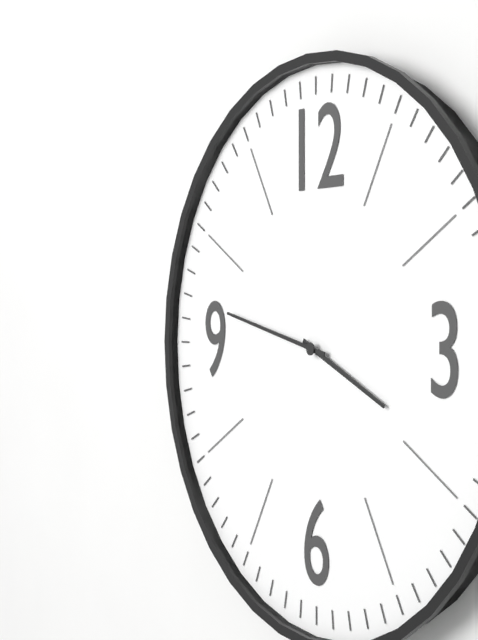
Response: 3:47
